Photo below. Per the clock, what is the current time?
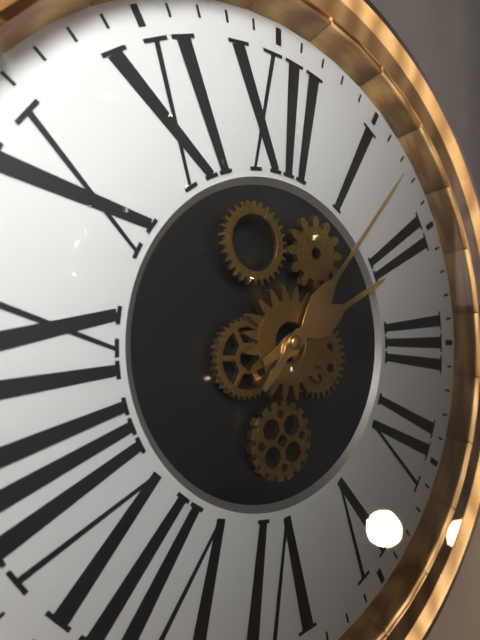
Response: 2:07
